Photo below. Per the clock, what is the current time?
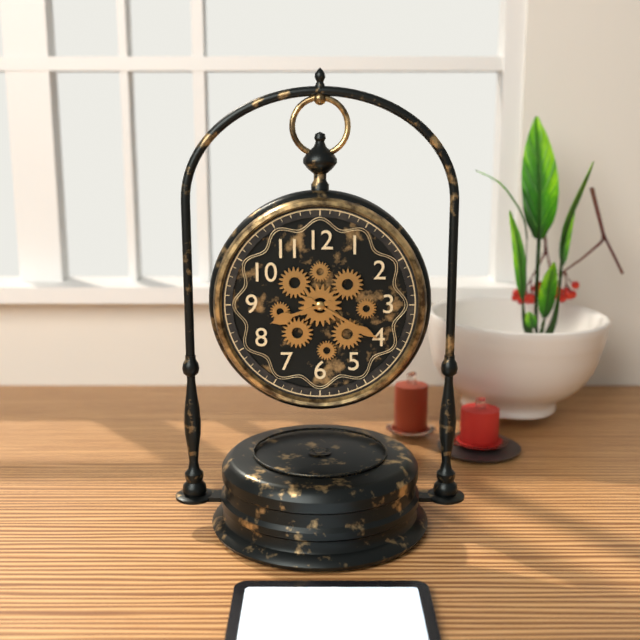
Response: 8:20
